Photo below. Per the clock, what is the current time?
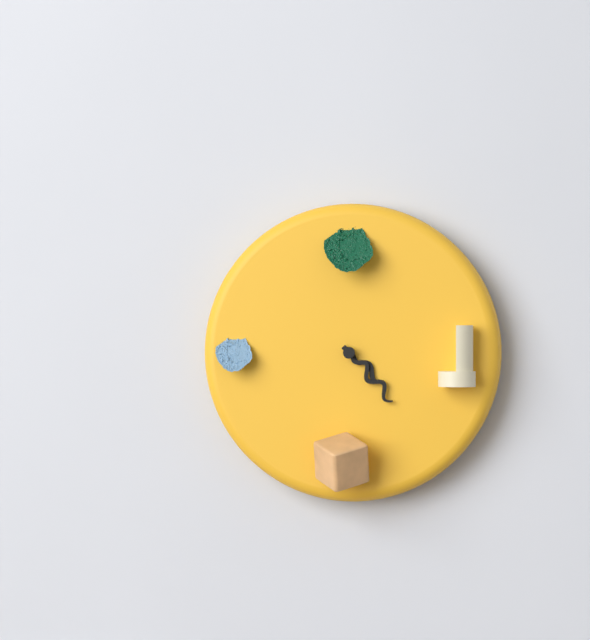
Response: 4:23
